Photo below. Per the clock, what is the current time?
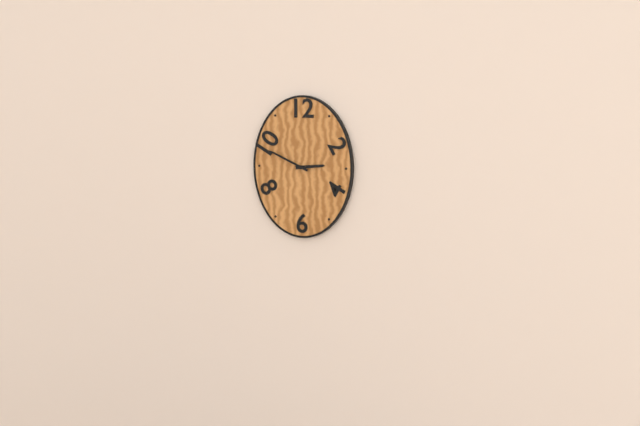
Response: 2:49
